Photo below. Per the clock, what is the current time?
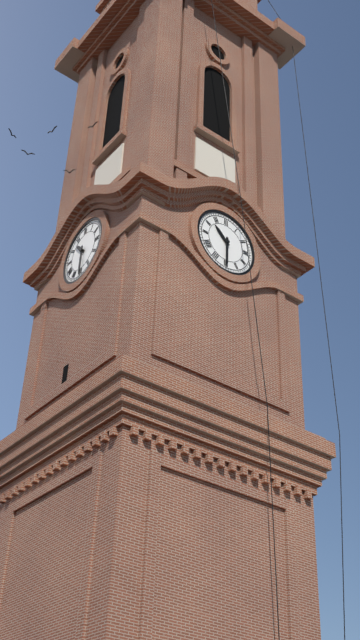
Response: 10:30
